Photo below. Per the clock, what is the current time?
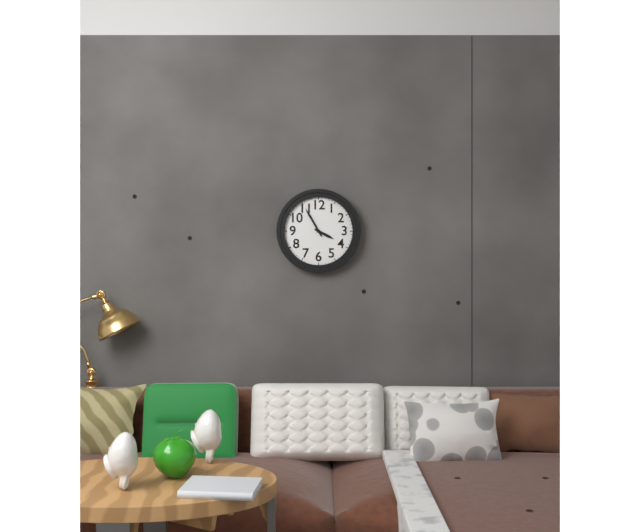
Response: 3:55
